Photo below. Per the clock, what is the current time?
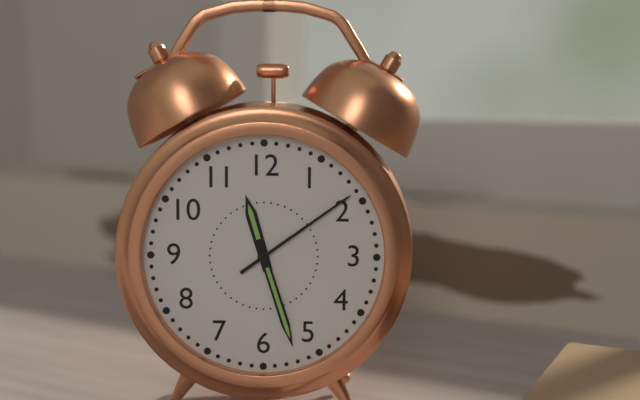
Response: 11:27:09
